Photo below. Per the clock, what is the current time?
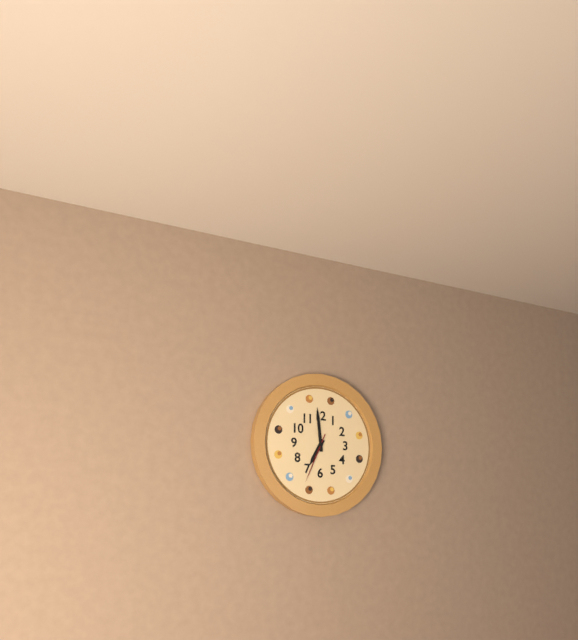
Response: 6:59:34
